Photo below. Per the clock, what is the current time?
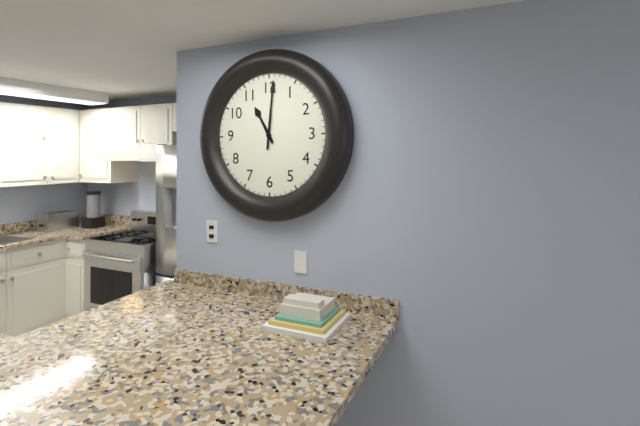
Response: 11:01
